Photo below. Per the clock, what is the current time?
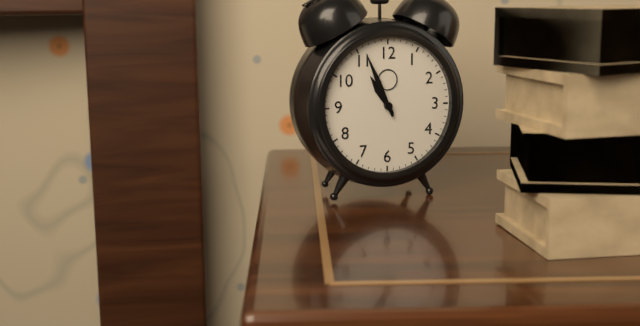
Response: 10:56
